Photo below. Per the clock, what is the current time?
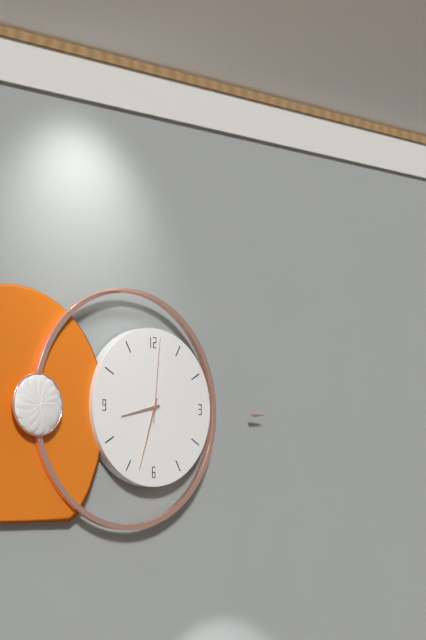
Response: 8:33:01
